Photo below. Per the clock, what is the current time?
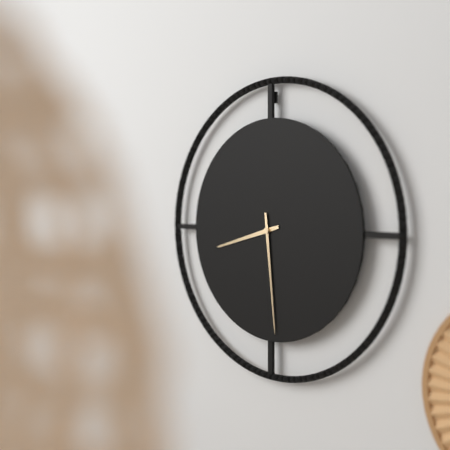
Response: 8:29
